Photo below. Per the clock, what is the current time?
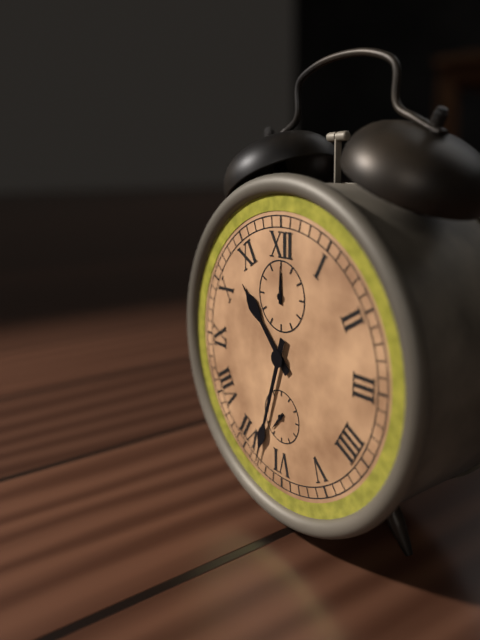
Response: 10:33
